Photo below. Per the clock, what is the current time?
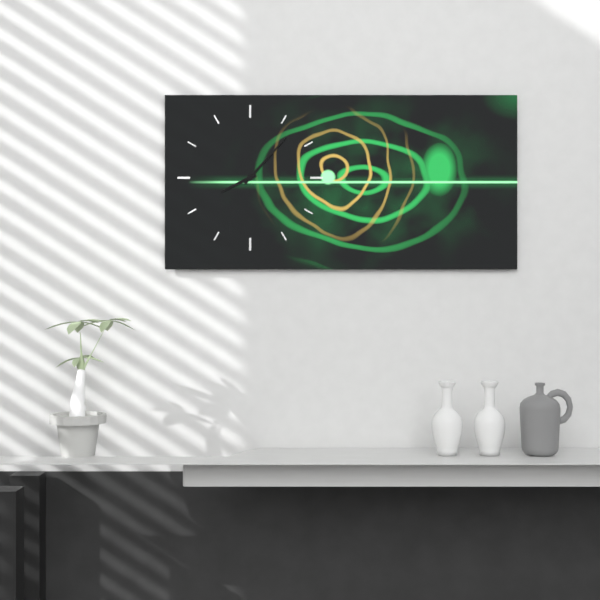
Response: 8:07
